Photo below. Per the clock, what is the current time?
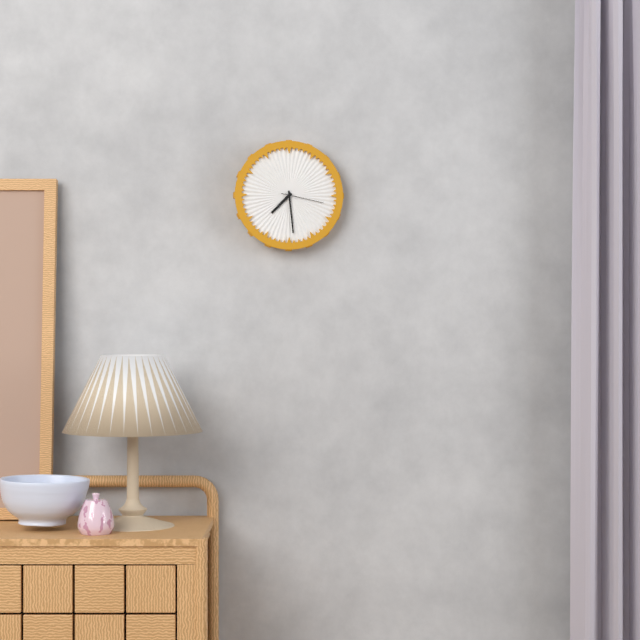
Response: 7:29
